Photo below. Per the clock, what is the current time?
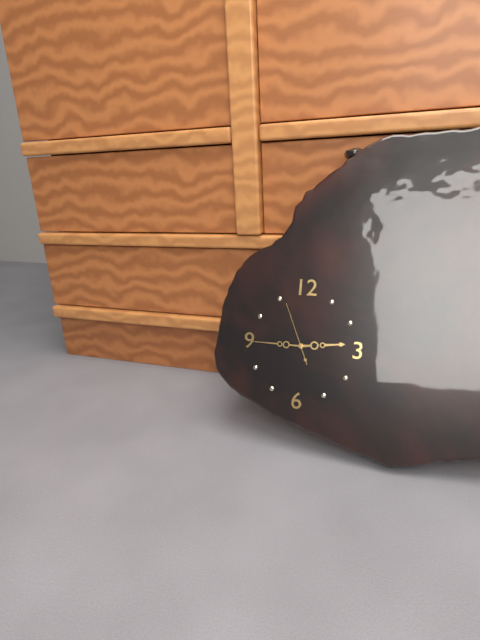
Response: 2:45:56
